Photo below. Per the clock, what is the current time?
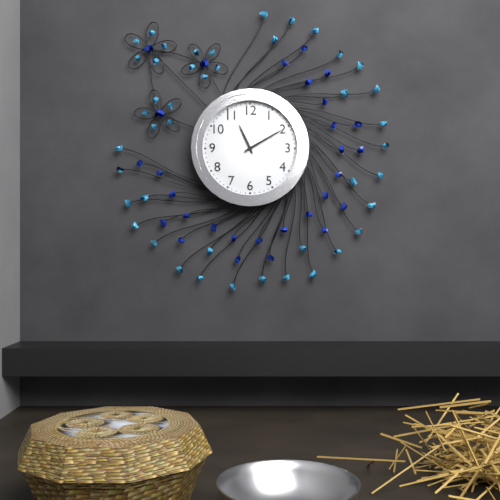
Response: 11:10
